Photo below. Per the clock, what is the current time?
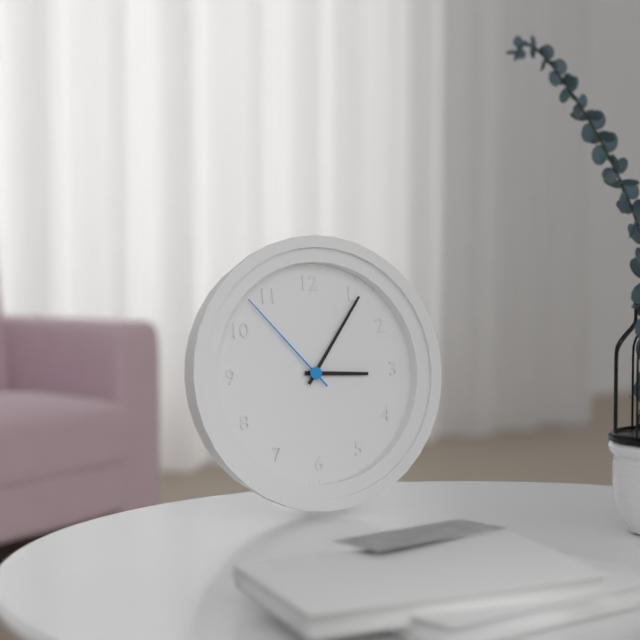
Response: 3:06:53
